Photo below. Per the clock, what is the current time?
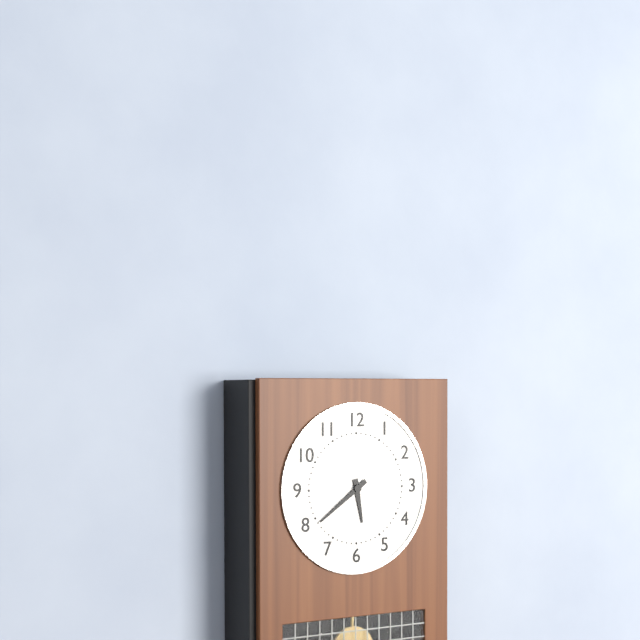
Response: 5:39
